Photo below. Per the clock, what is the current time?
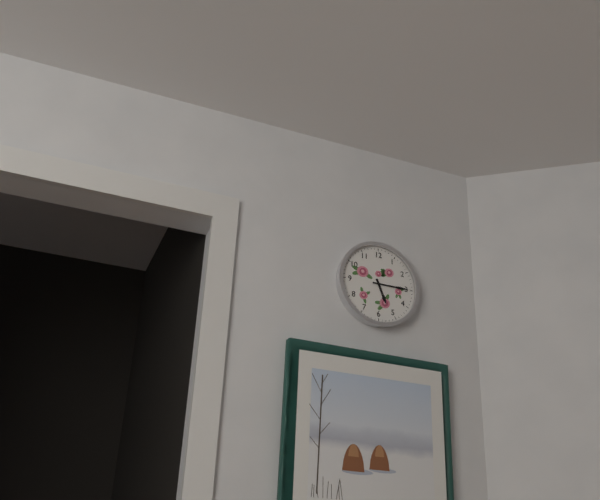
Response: 5:15
